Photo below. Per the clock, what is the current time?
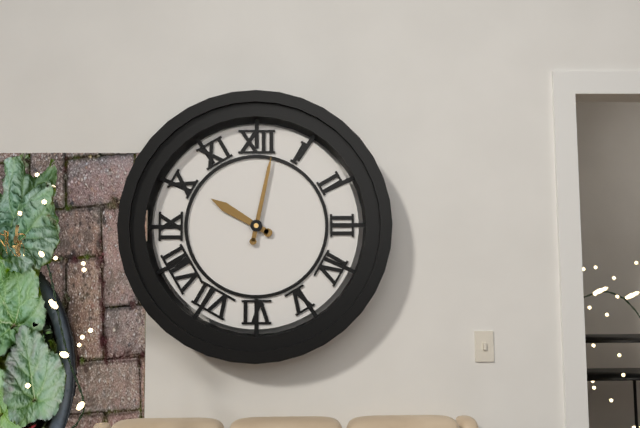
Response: 10:02
